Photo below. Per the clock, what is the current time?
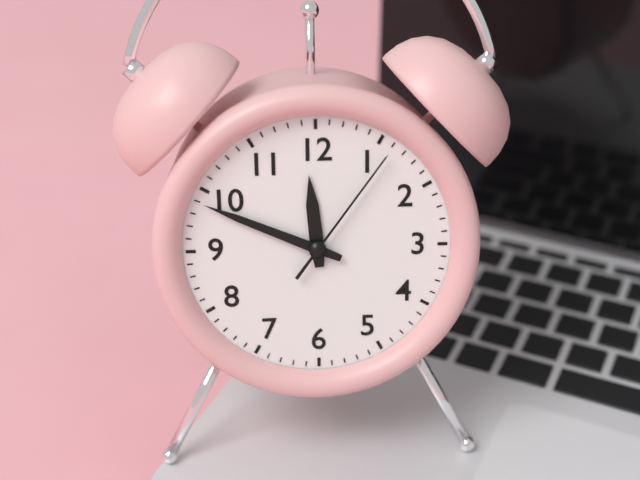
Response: 11:49:06
